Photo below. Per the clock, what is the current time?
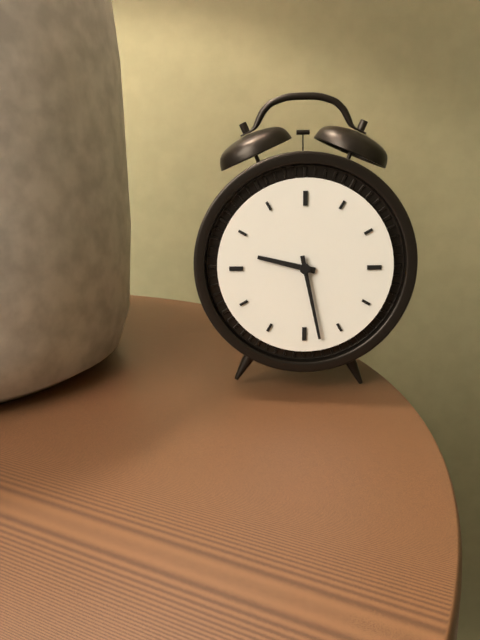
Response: 9:28
